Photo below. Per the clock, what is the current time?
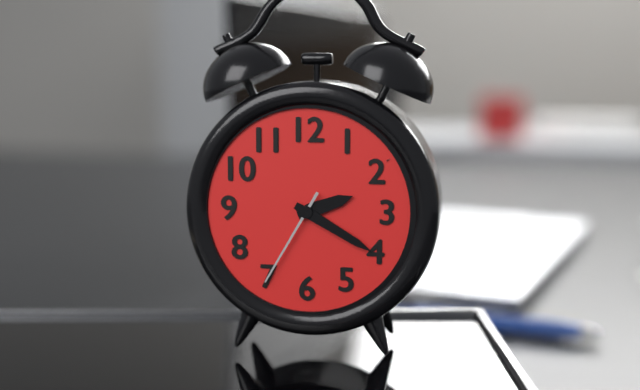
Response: 2:20:35
